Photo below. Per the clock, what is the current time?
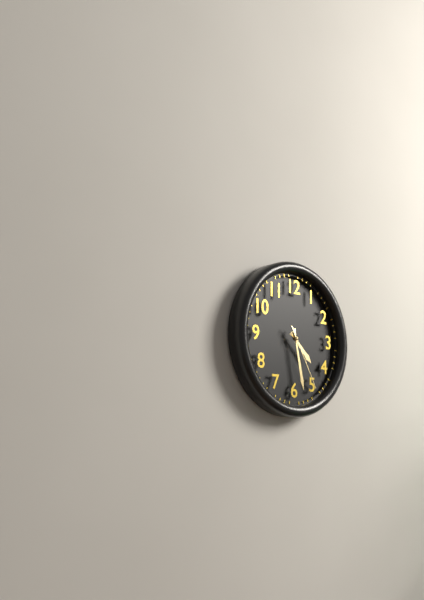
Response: 4:28:25
